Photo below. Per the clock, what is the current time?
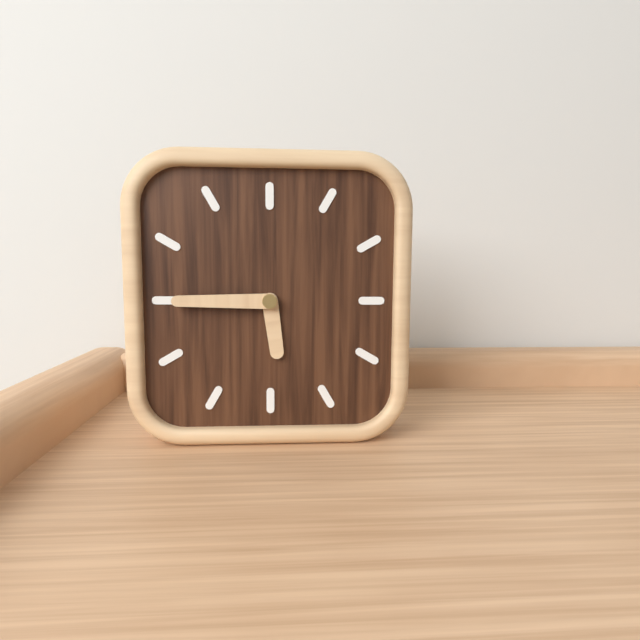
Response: 5:45
